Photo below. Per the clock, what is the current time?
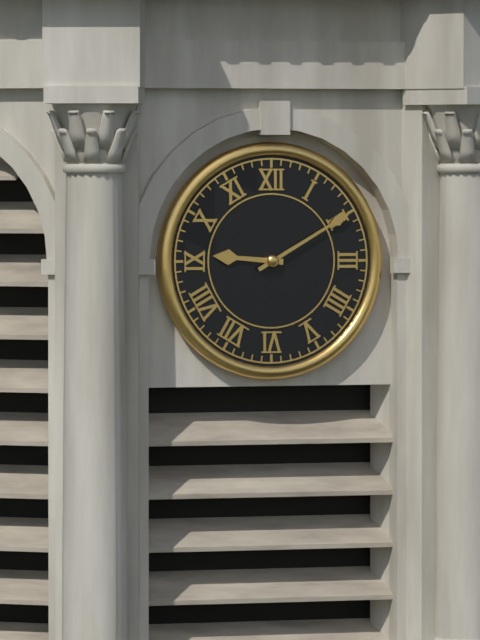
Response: 9:10
